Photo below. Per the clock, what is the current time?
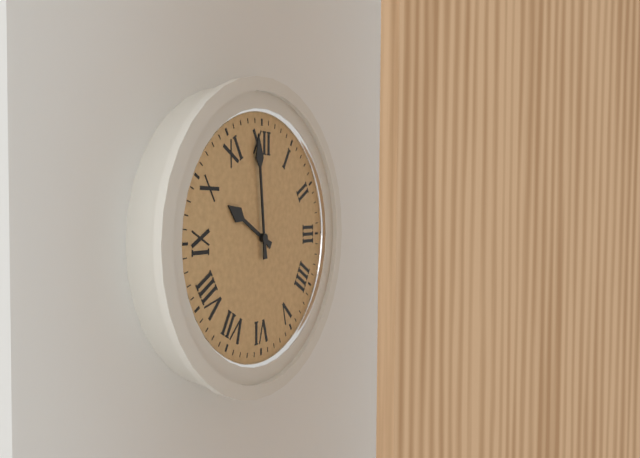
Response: 9:59
